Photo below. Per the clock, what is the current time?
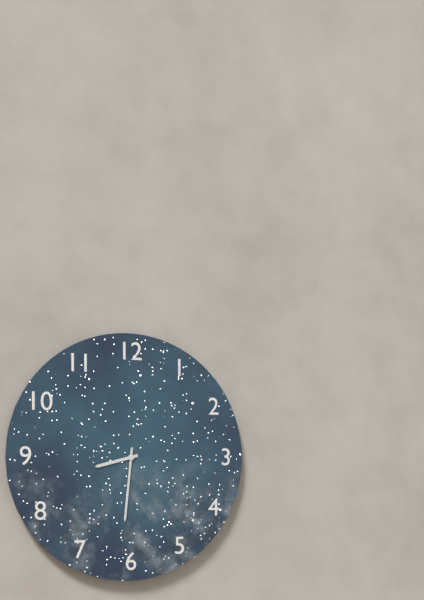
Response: 8:31
